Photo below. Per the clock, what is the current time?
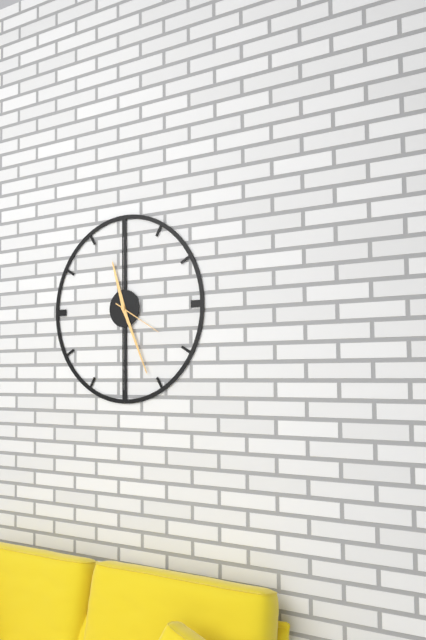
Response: 11:26:20
